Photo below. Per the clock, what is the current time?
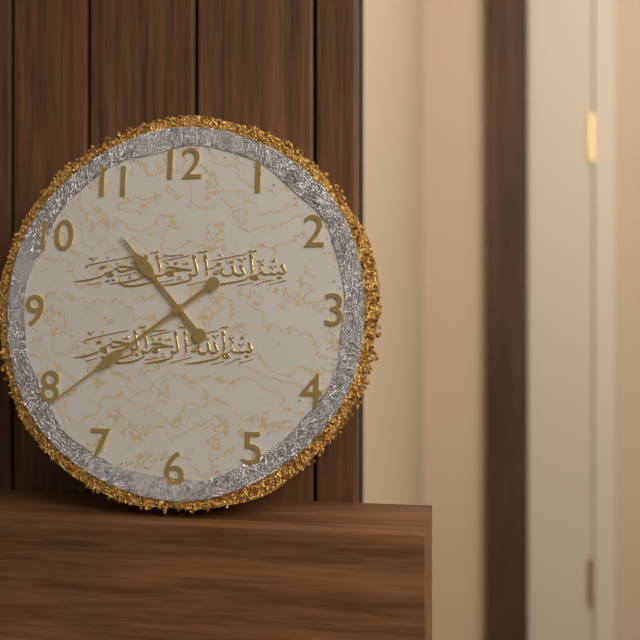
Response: 10:39
